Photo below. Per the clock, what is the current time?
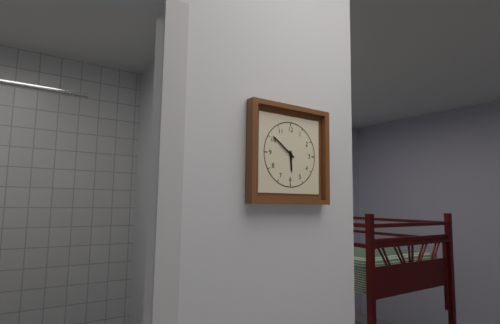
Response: 5:51
